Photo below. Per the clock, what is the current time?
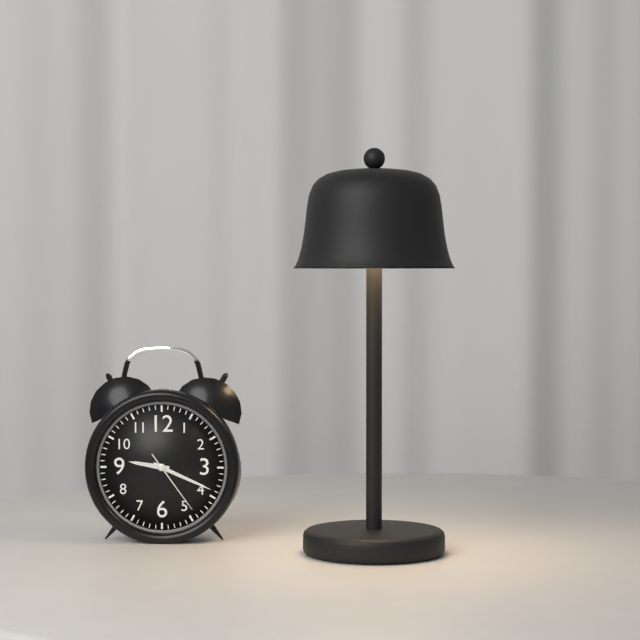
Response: 9:19:24
